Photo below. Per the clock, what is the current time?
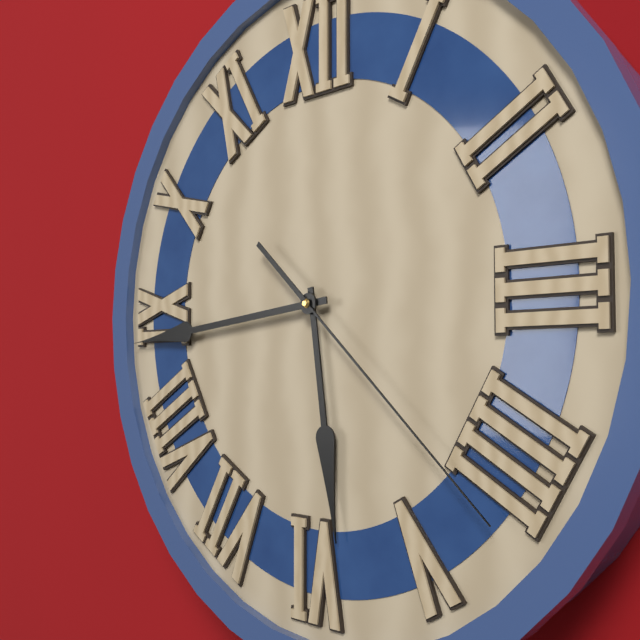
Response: 5:44:22
